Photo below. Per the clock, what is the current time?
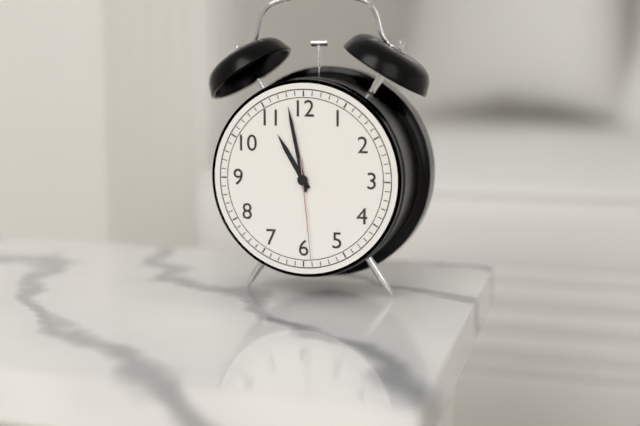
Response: 10:58:29
